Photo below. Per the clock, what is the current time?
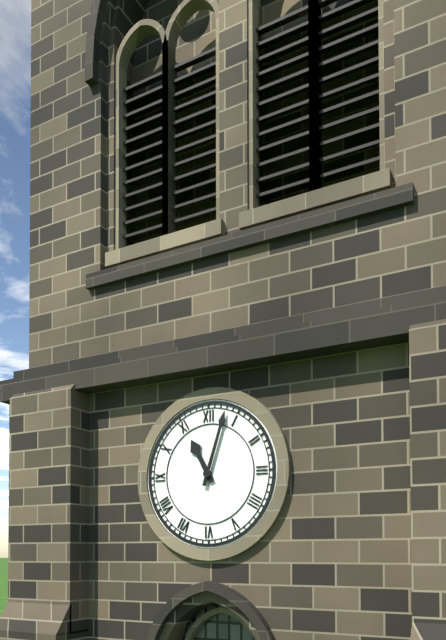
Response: 11:03
